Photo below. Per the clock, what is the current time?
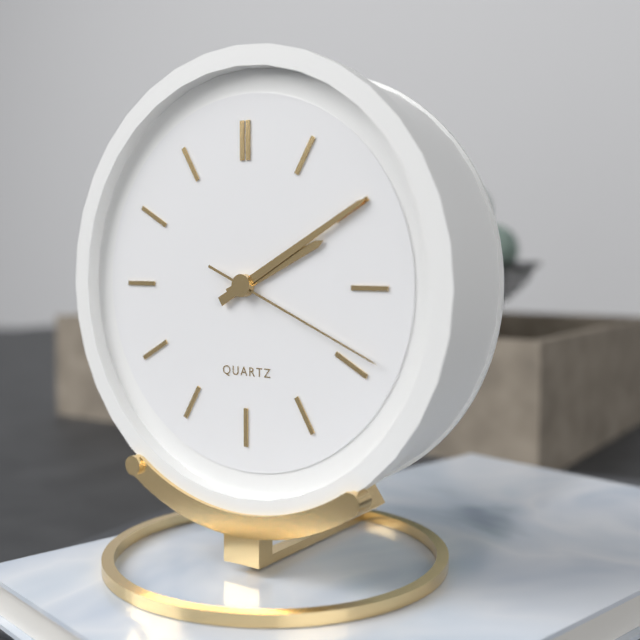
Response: 2:10:19
